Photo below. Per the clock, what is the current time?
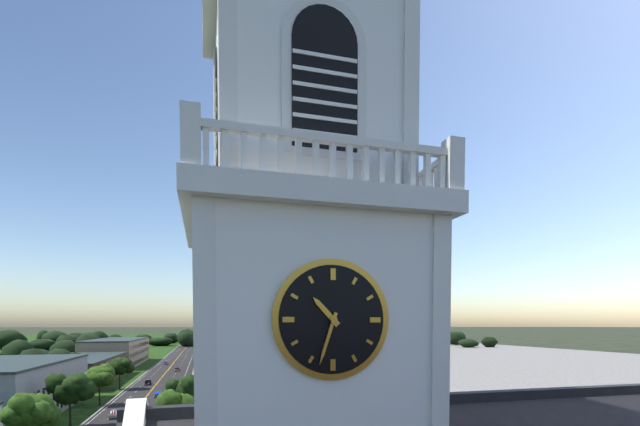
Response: 10:33
